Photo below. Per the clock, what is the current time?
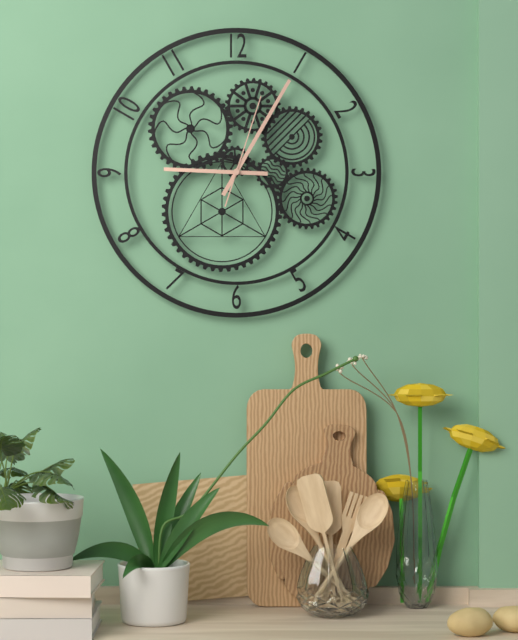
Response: 9:05:03
